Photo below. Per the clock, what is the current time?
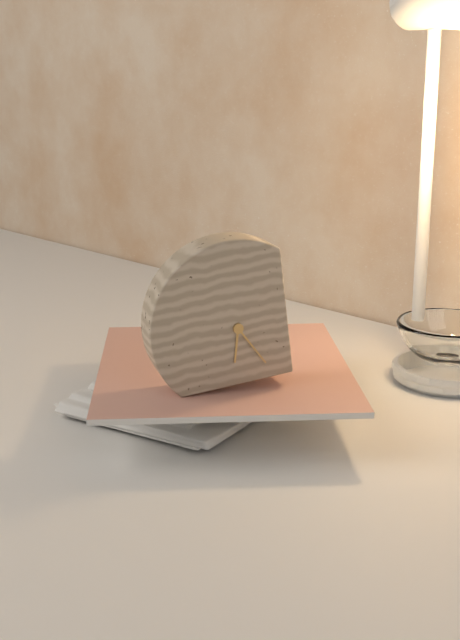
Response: 6:25
